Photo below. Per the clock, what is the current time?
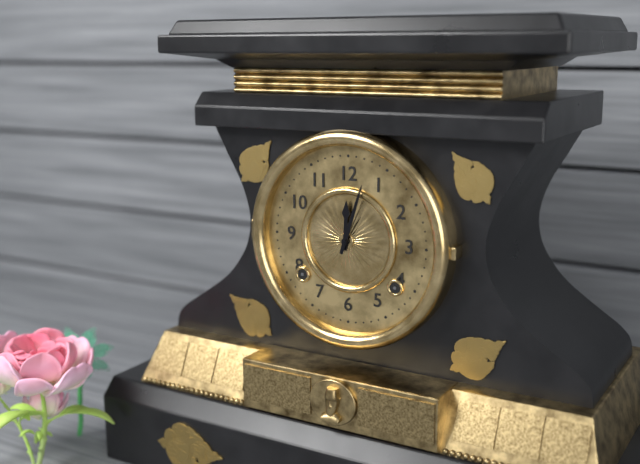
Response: 12:03
